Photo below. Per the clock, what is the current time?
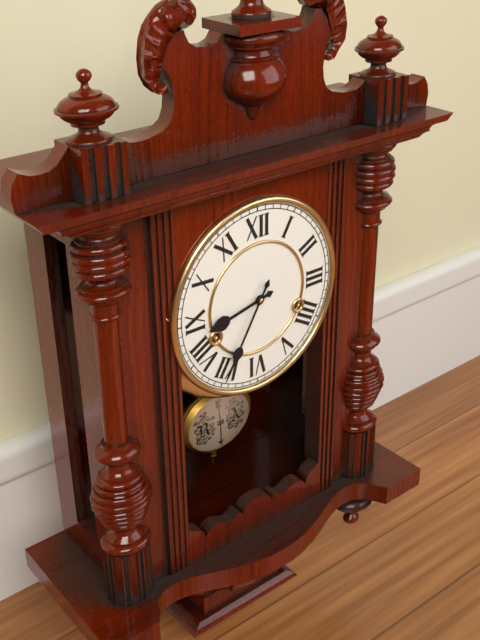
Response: 8:35
